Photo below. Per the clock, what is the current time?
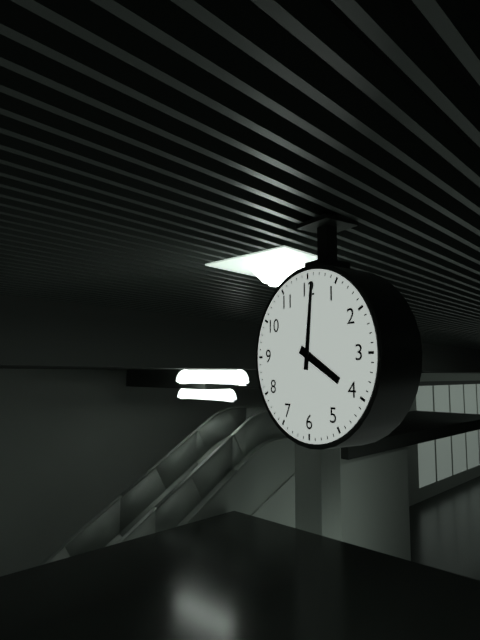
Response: 4:01
